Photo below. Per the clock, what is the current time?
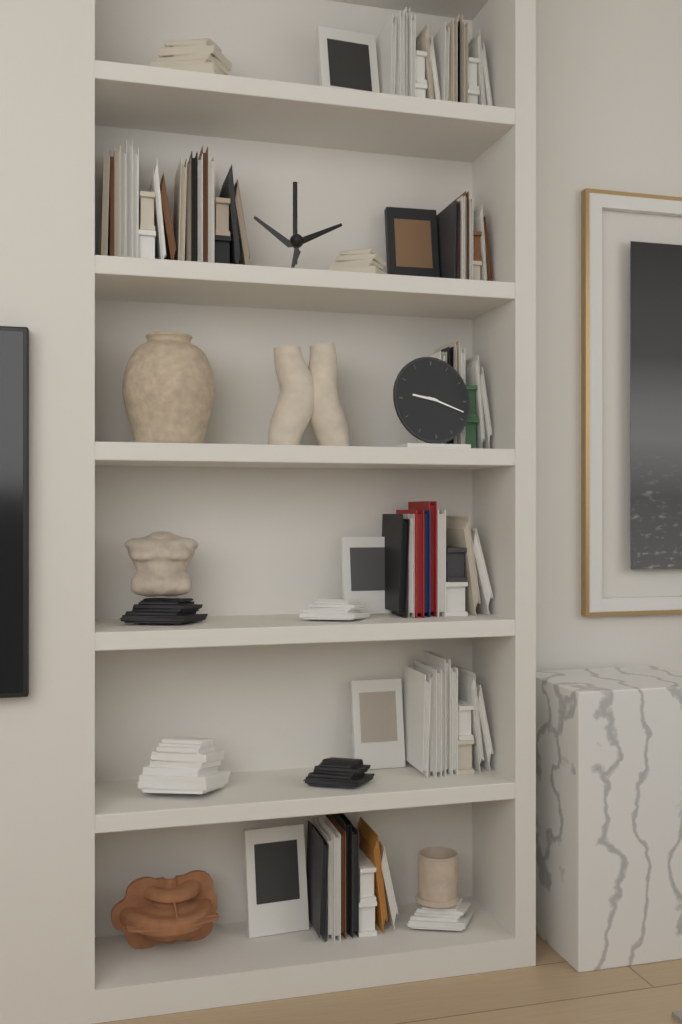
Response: 9:18
